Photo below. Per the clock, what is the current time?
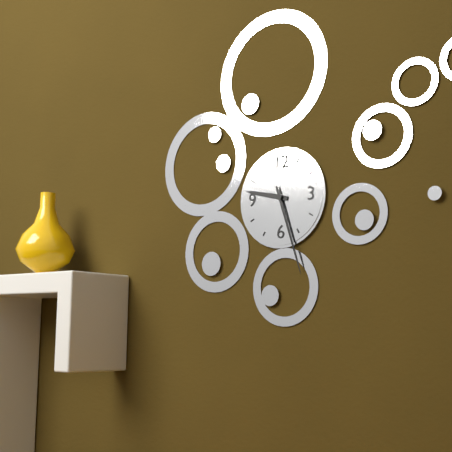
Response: 9:27
